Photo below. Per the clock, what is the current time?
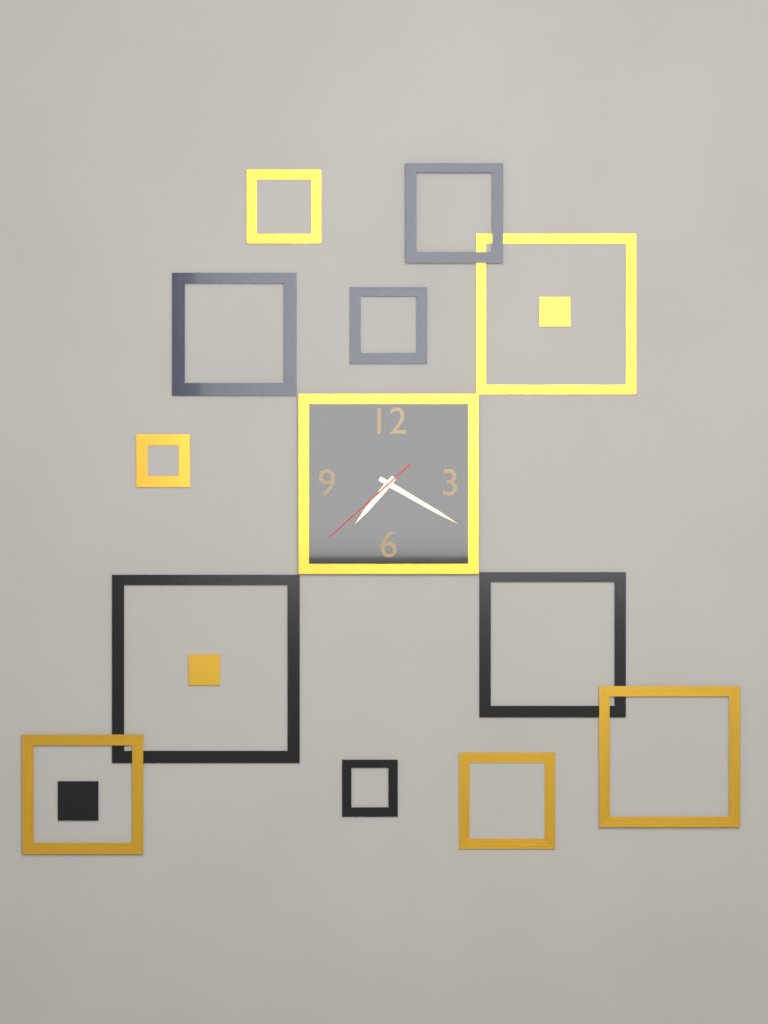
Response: 7:20:38
